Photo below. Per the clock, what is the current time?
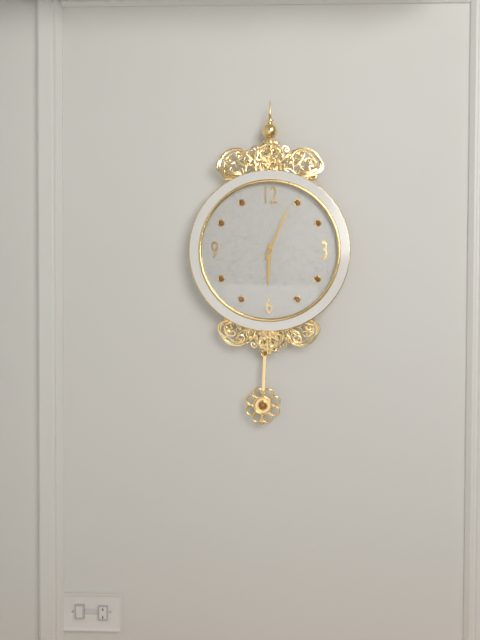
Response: 6:04
